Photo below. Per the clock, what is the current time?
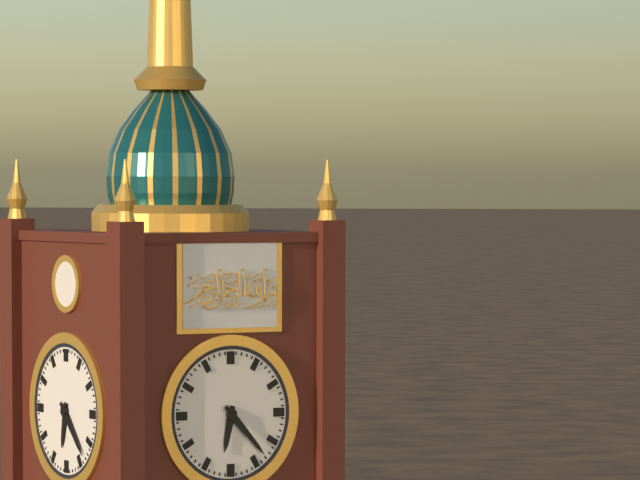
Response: 6:23
